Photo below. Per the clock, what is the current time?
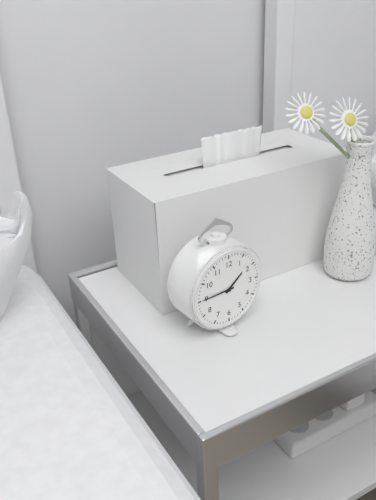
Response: 1:45
